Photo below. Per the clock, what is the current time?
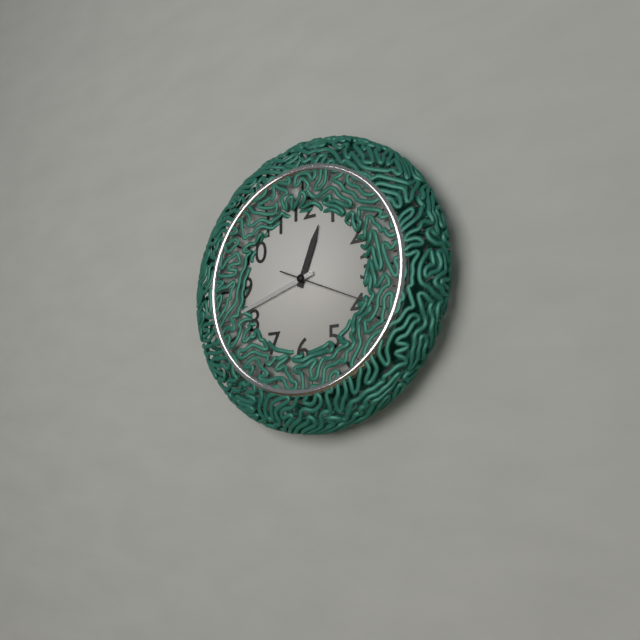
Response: 12:42:19
